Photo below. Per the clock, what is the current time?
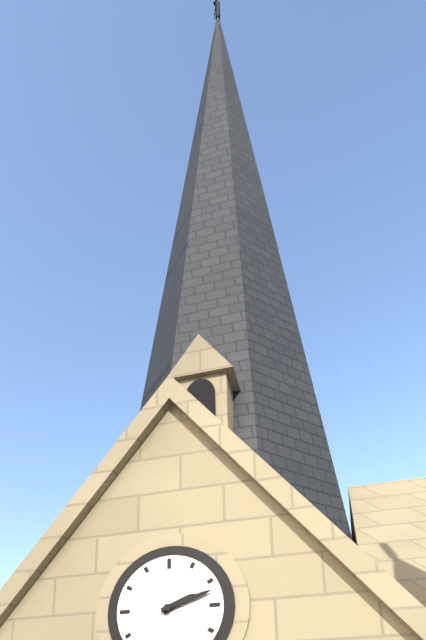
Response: 2:12
